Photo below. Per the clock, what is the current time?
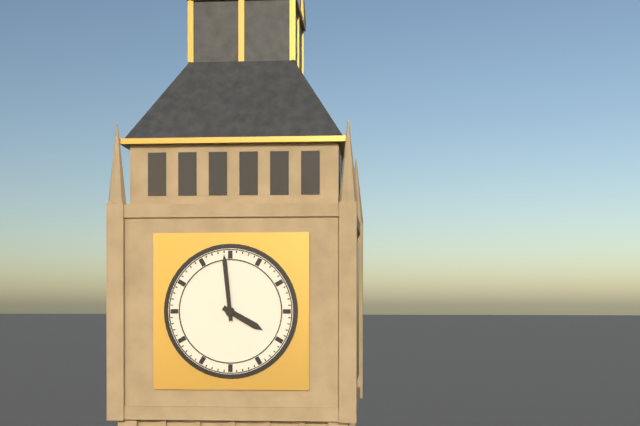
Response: 3:59
